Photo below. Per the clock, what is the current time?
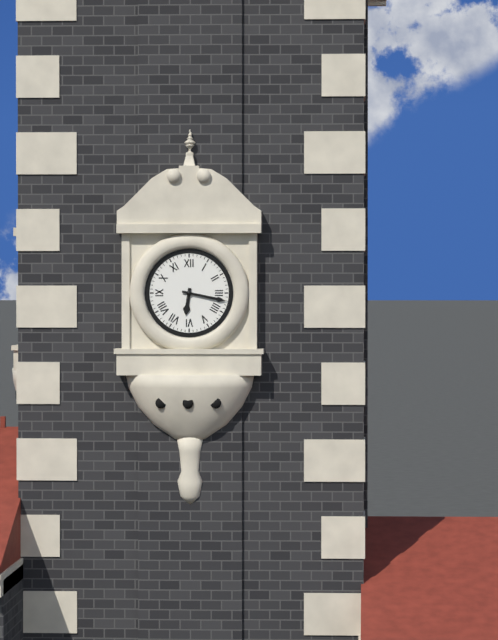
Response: 6:17
